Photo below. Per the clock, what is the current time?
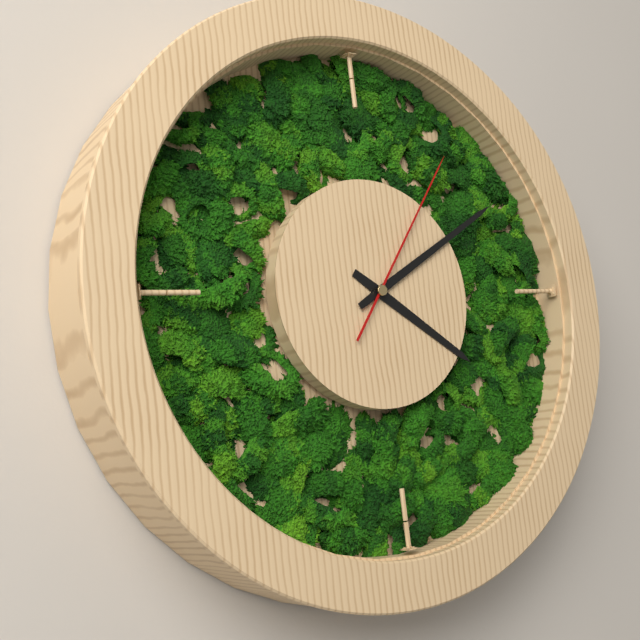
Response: 4:10:06
